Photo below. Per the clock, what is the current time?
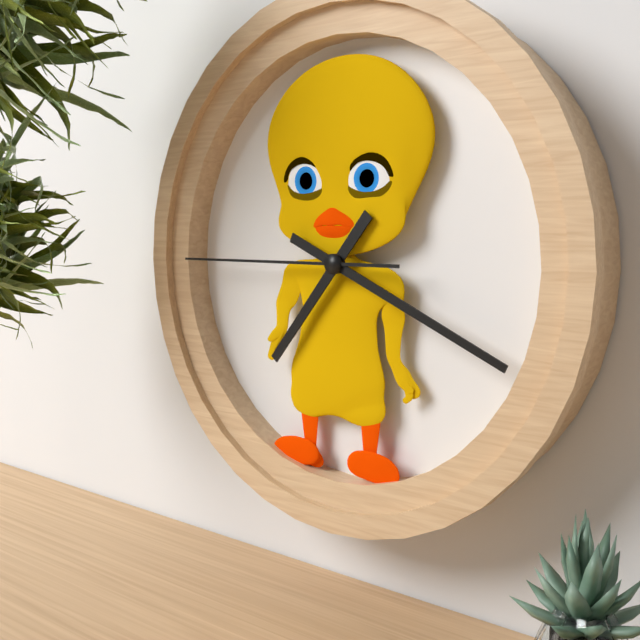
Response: 7:19:45
